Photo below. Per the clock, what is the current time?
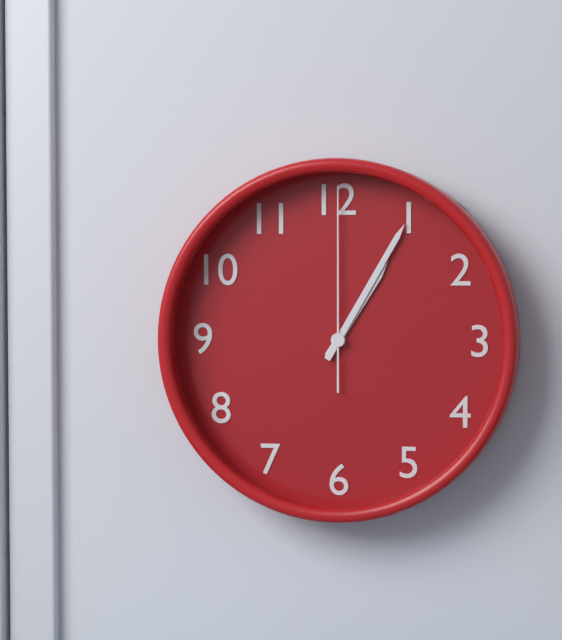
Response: 1:05:00
